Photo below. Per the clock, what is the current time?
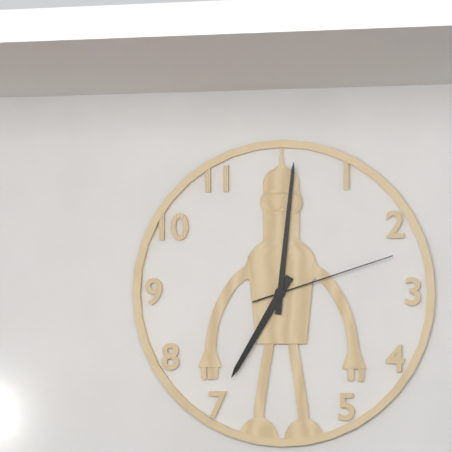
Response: 7:01:12
